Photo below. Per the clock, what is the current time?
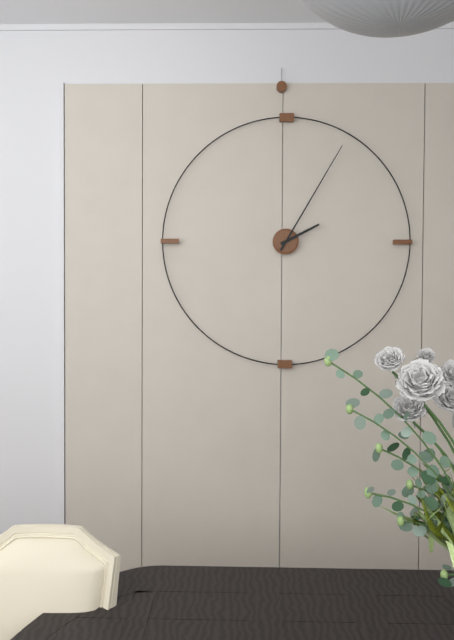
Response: 2:05
